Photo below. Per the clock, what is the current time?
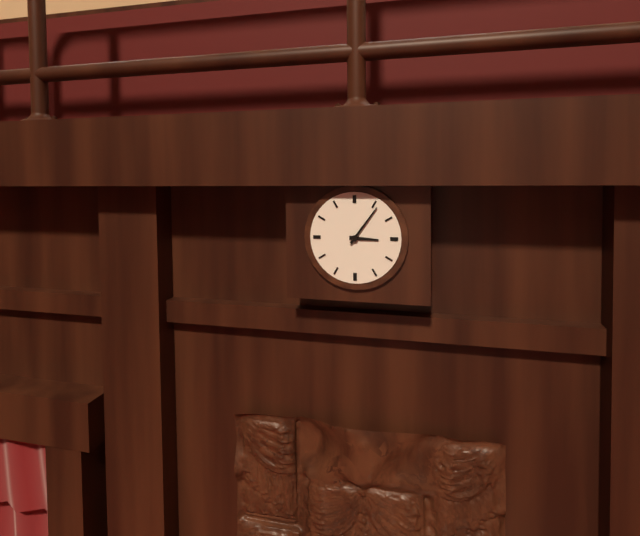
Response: 3:06
